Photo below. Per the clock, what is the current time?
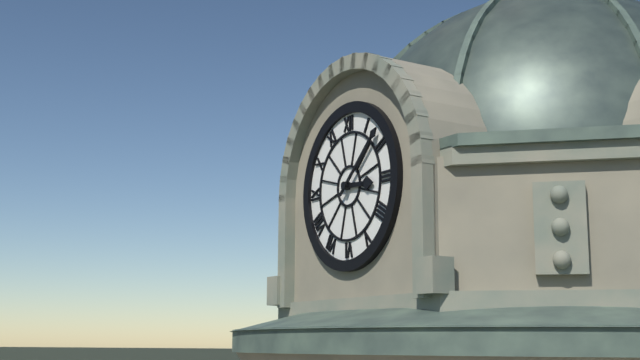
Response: 3:08
